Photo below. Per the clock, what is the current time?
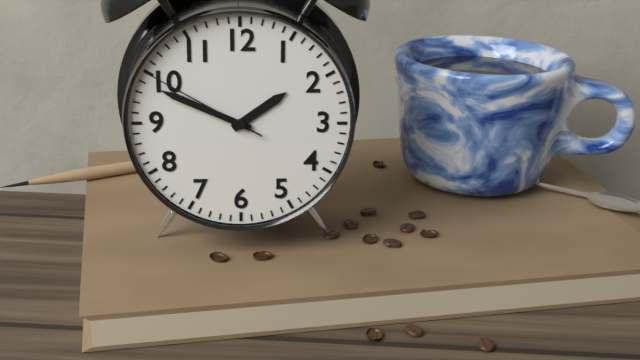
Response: 1:49:50
